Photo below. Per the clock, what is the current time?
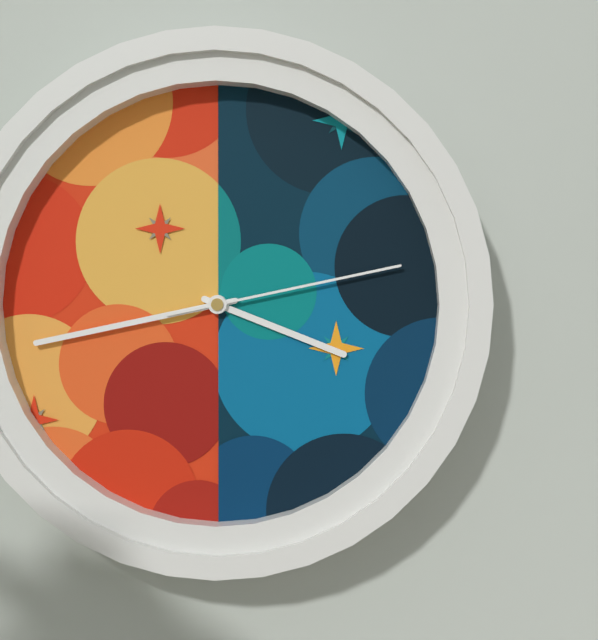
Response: 3:43:13
